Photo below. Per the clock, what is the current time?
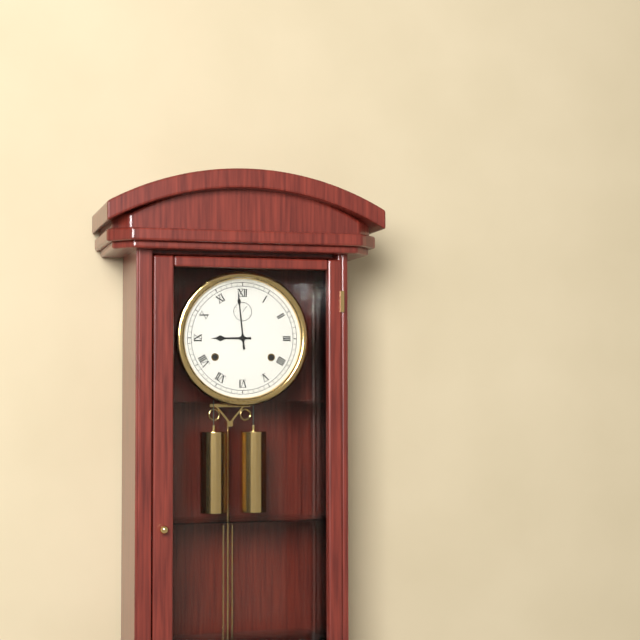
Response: 8:59
